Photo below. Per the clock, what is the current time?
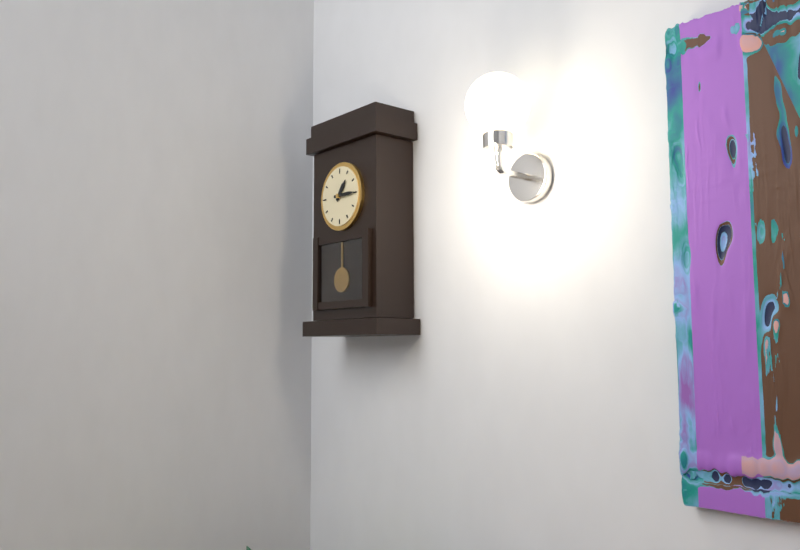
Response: 1:15
